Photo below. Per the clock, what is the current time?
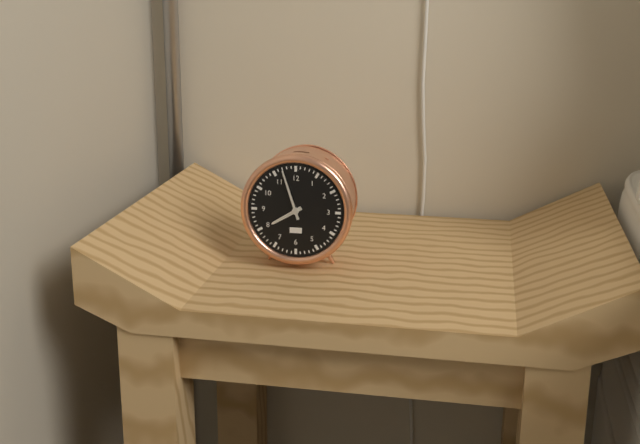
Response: 7:57
